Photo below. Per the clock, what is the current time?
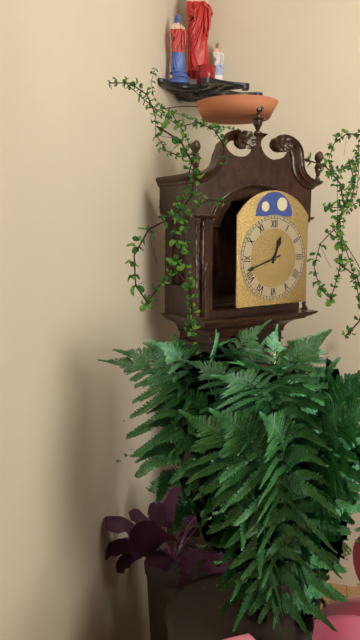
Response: 12:42
